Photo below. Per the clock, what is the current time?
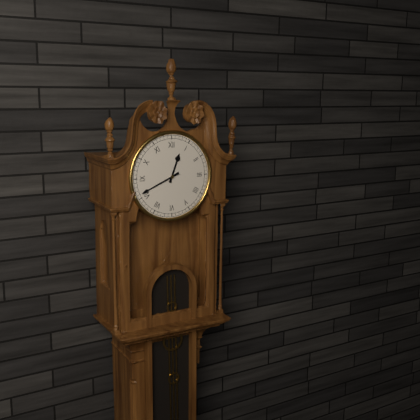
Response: 12:41
